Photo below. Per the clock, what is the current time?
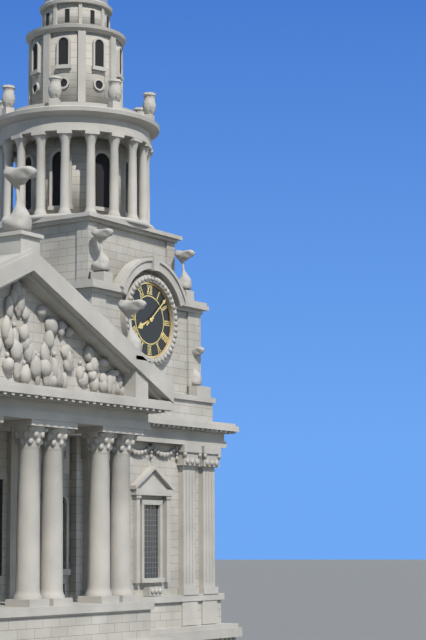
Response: 8:08
